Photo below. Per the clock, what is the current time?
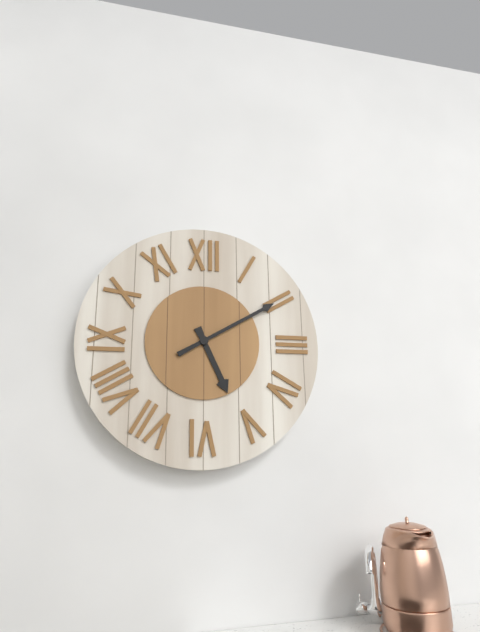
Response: 5:10
